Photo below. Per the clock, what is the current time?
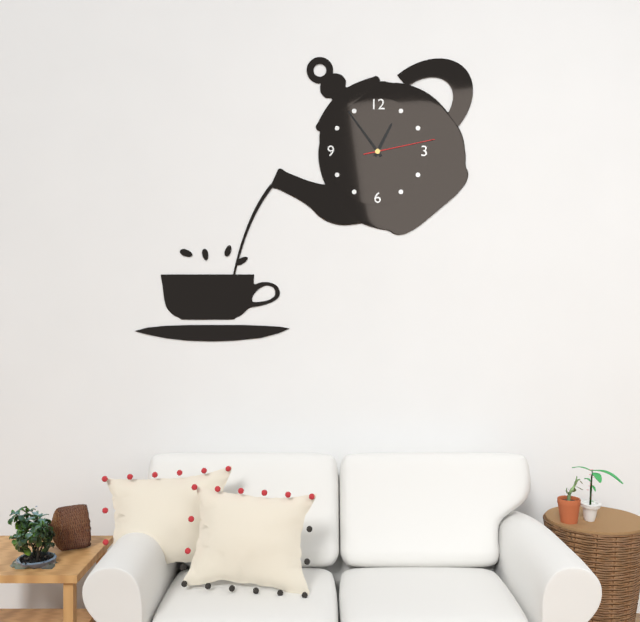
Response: 12:54:13
